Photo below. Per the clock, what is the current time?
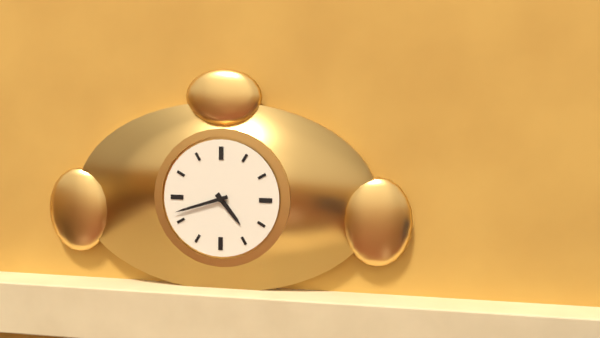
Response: 4:42
